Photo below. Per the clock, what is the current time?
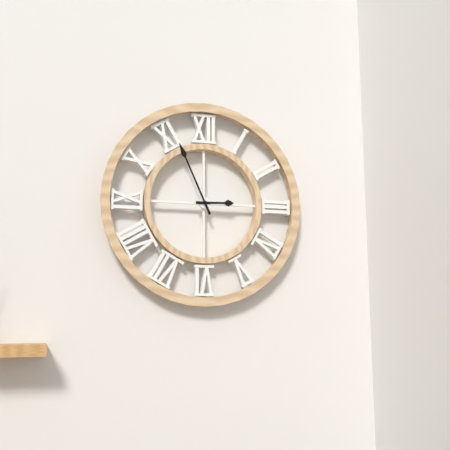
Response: 2:56
